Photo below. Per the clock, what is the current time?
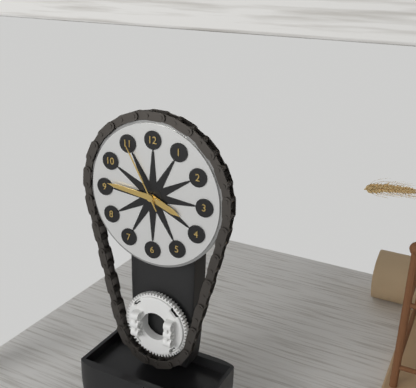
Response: 3:46:55
